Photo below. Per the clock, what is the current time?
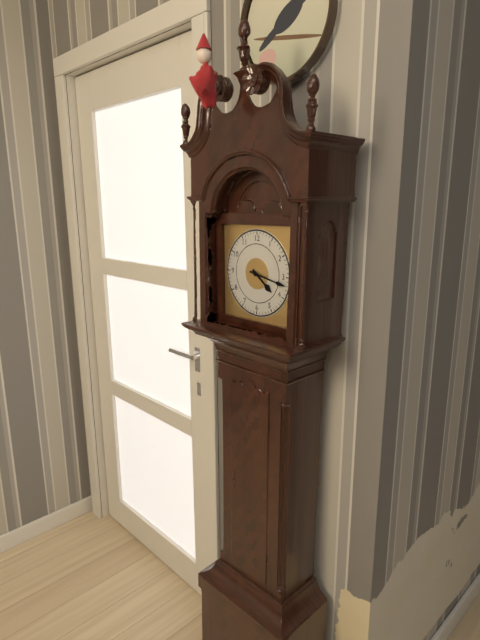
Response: 4:17
